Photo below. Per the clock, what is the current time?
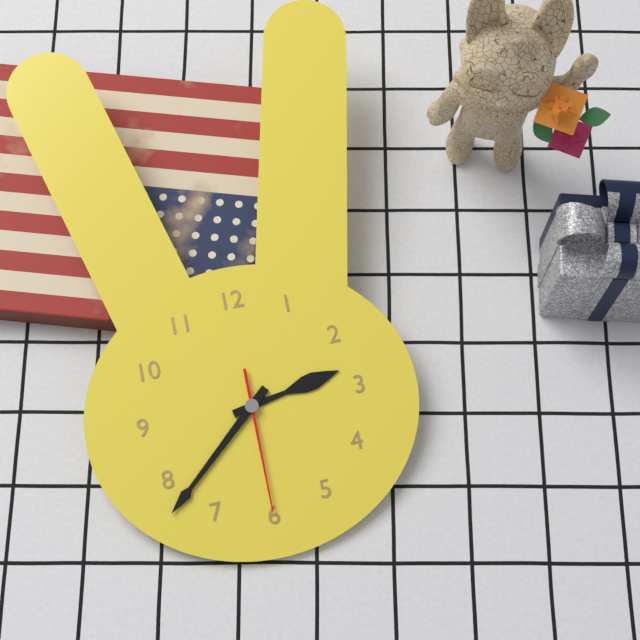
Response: 2:38:30
